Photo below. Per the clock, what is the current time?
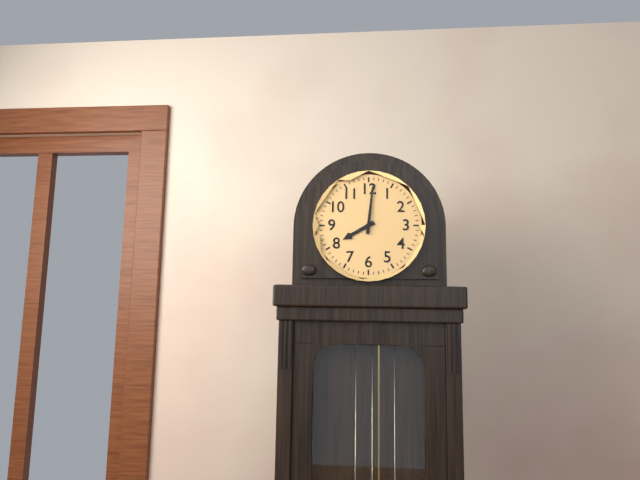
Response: 8:01
